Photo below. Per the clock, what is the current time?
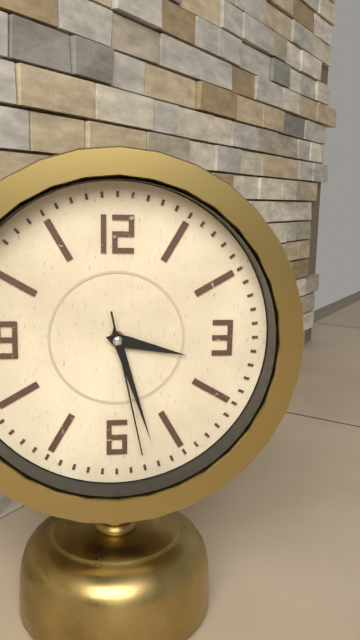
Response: 3:27:28
